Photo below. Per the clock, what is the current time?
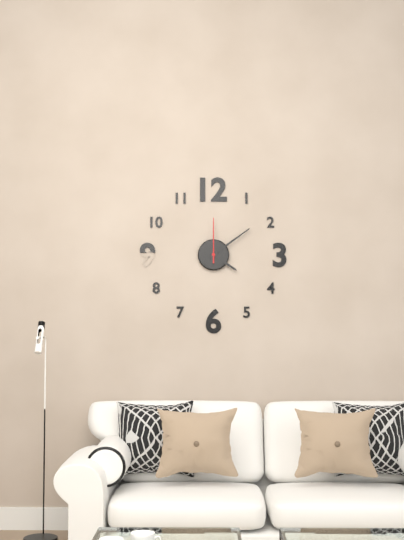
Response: 4:09
